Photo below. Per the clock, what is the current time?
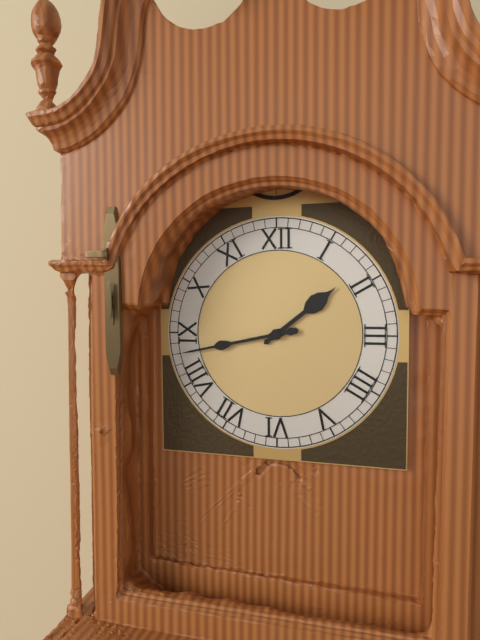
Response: 1:43
